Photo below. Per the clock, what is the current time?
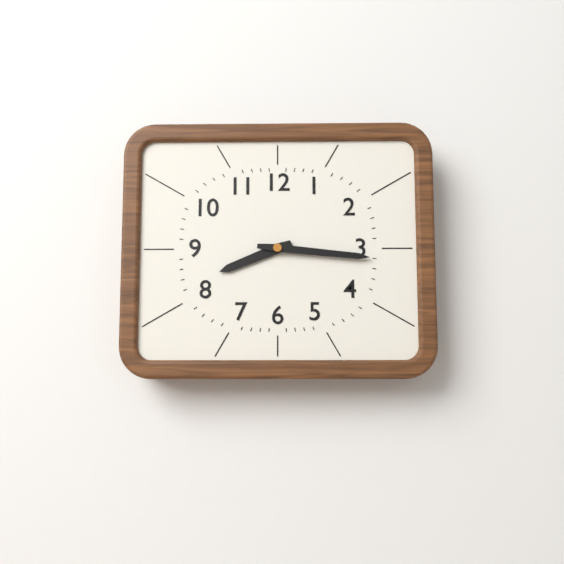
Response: 8:16
